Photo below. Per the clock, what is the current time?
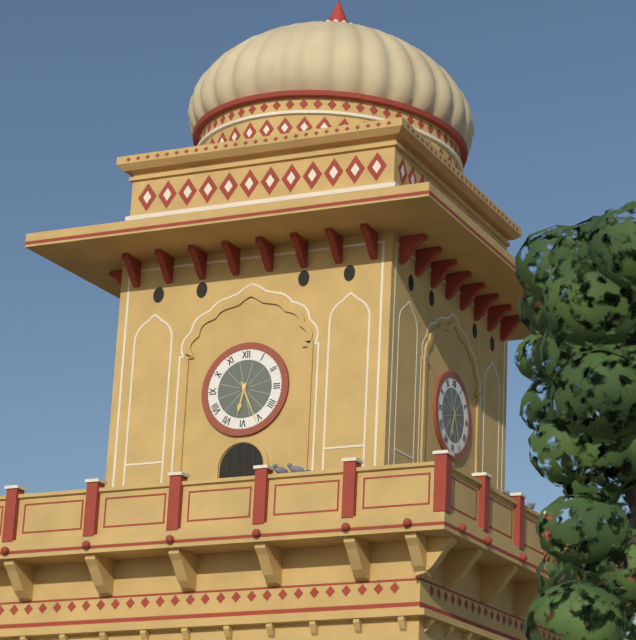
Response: 6:26
